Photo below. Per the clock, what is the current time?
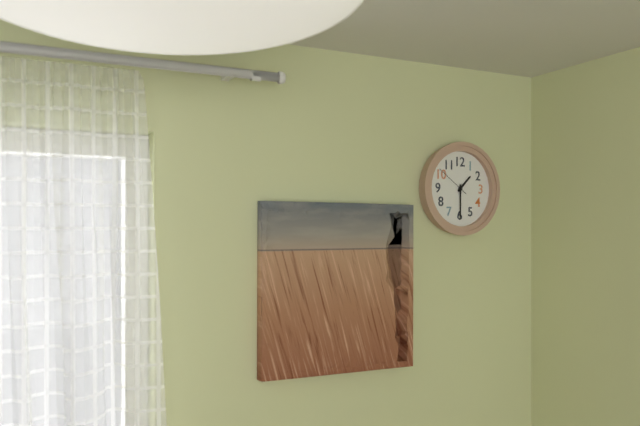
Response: 1:30
